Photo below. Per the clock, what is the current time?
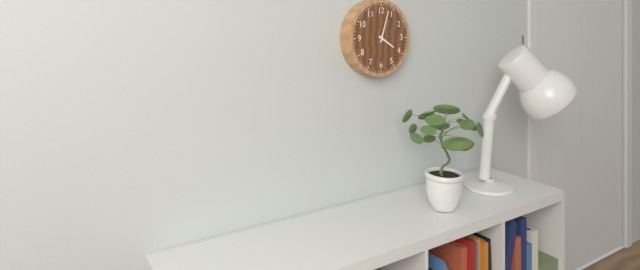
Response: 4:03
